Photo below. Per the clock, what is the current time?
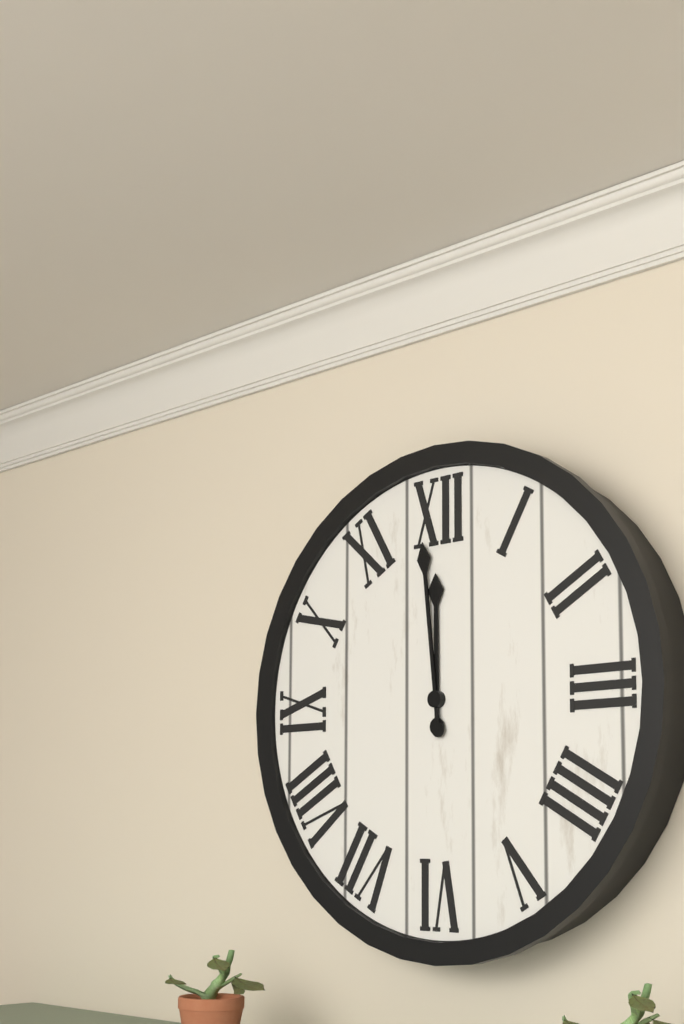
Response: 11:59
